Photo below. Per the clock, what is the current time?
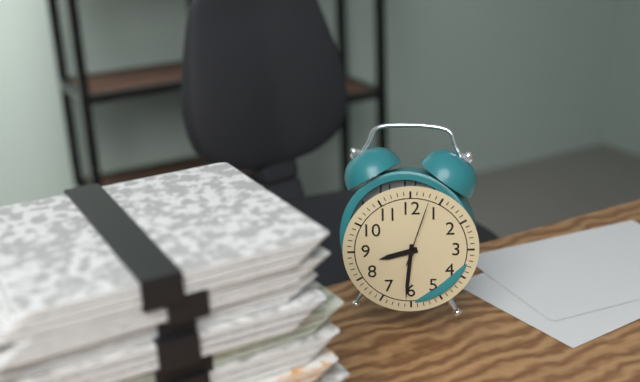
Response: 8:31:03
